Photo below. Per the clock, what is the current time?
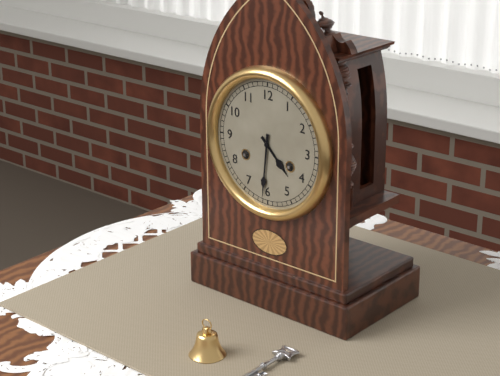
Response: 4:31
